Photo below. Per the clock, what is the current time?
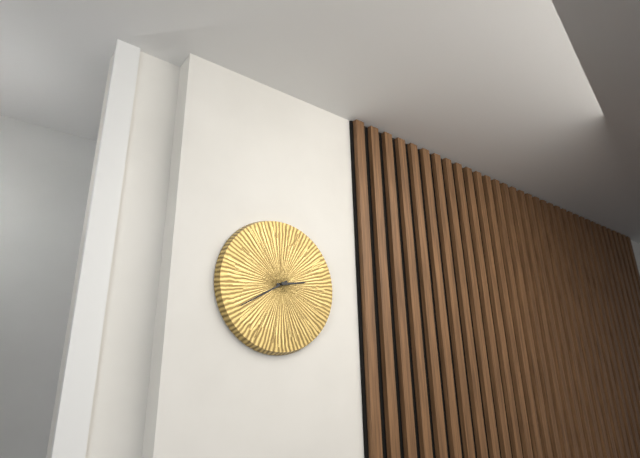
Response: 2:40
